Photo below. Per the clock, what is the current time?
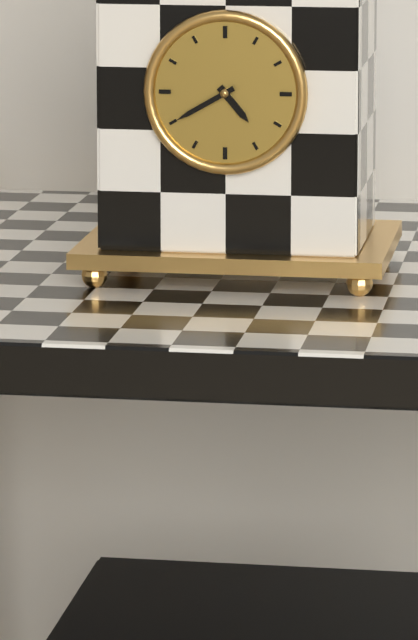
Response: 4:40
